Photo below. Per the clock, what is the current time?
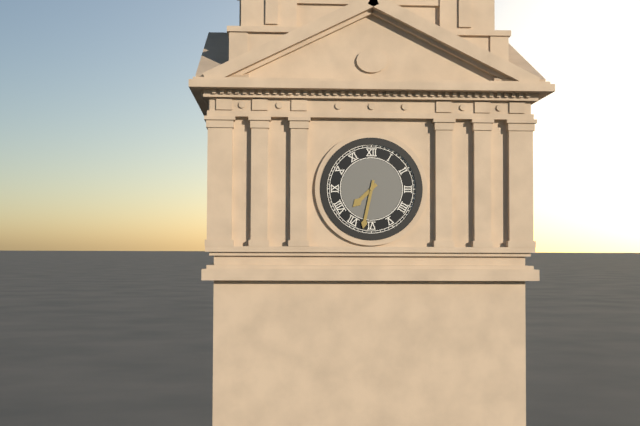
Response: 7:32
